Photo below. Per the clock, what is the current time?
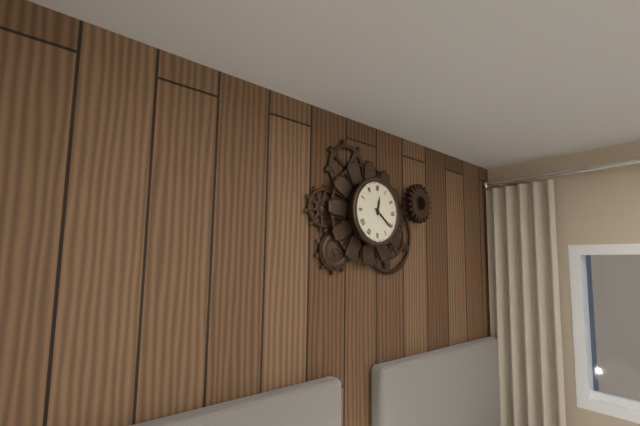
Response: 12:21
